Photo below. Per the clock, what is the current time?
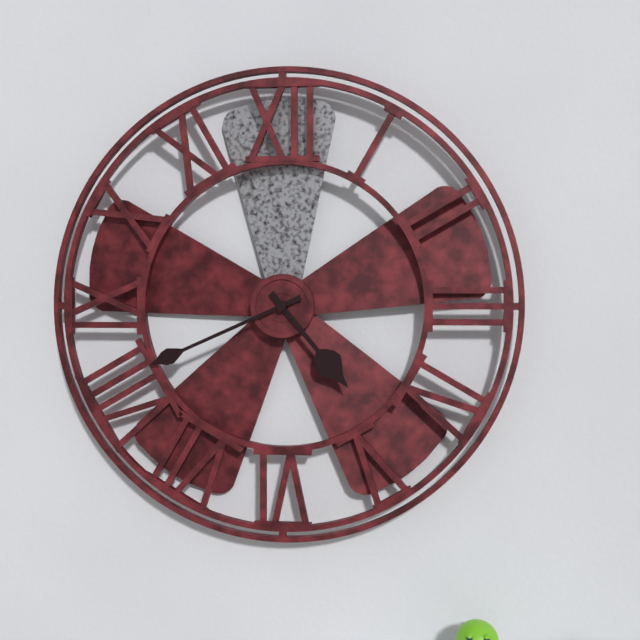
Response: 4:41
